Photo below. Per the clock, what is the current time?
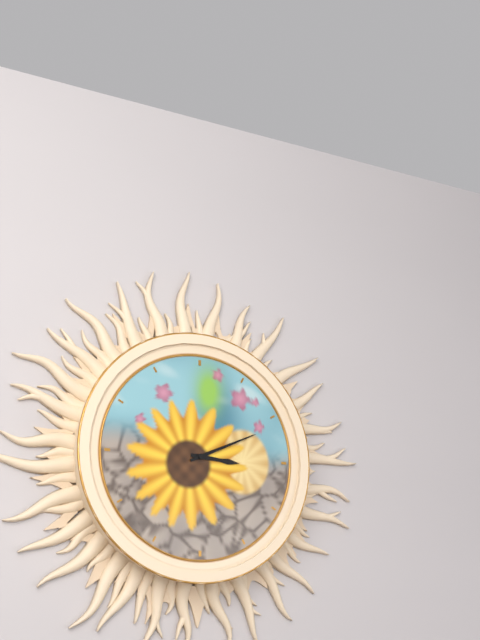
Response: 3:11
